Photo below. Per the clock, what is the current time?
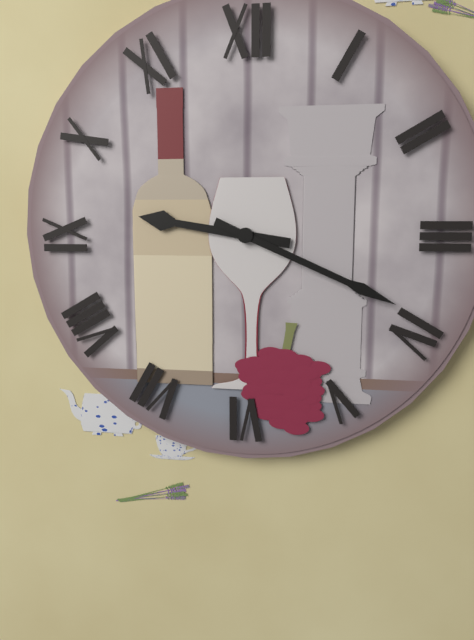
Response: 9:19
